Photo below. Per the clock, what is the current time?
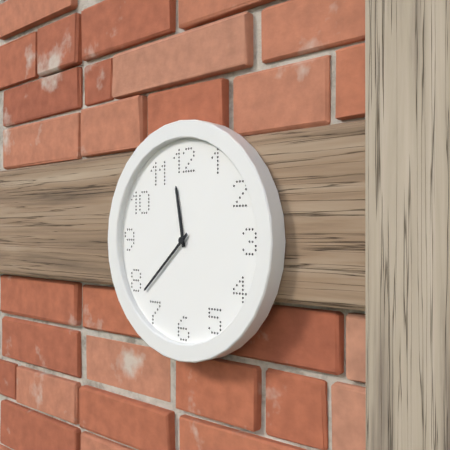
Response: 11:38
